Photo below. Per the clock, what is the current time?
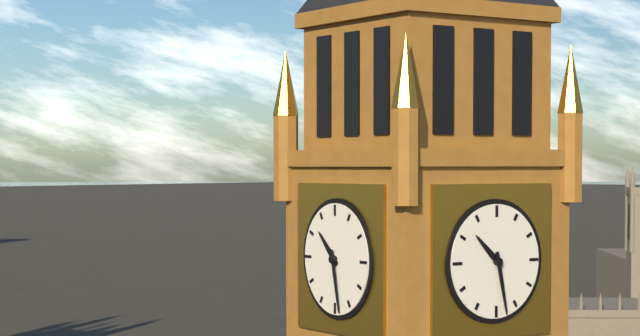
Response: 10:28
